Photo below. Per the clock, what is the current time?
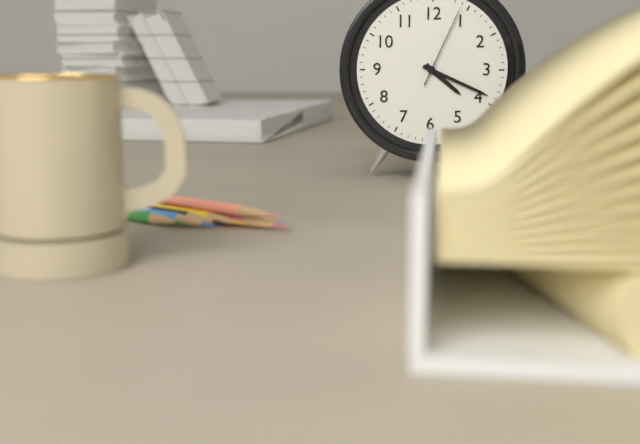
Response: 4:19:04
